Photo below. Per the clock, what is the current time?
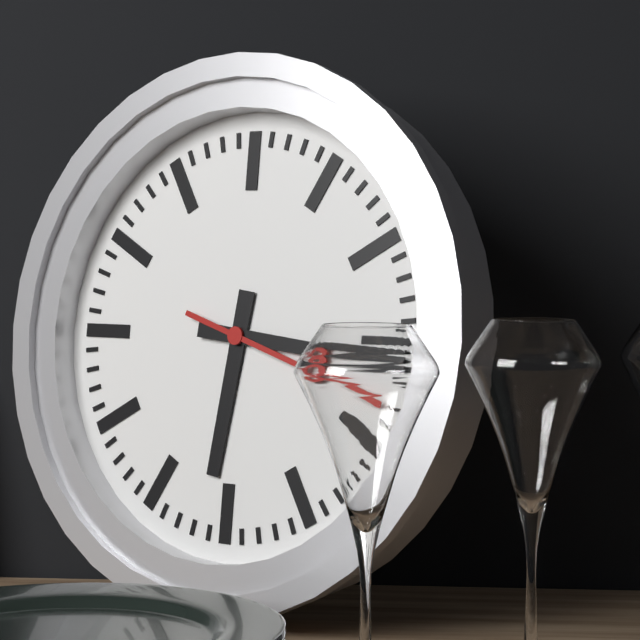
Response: 6:16:18
